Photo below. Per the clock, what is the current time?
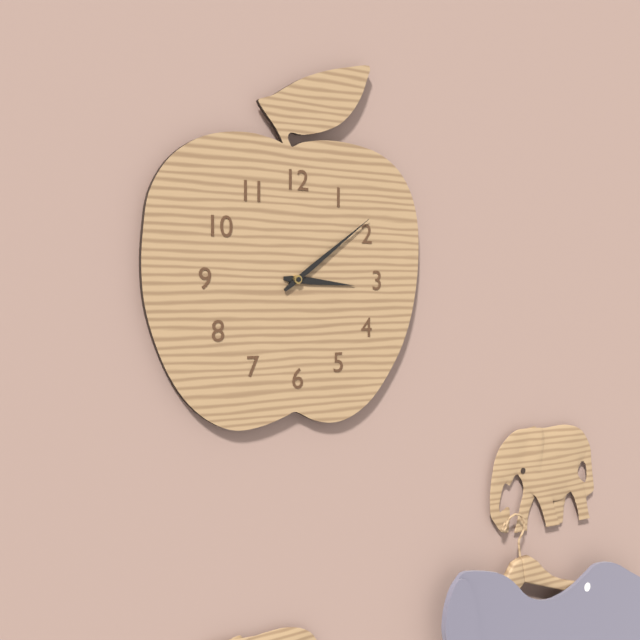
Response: 3:09
